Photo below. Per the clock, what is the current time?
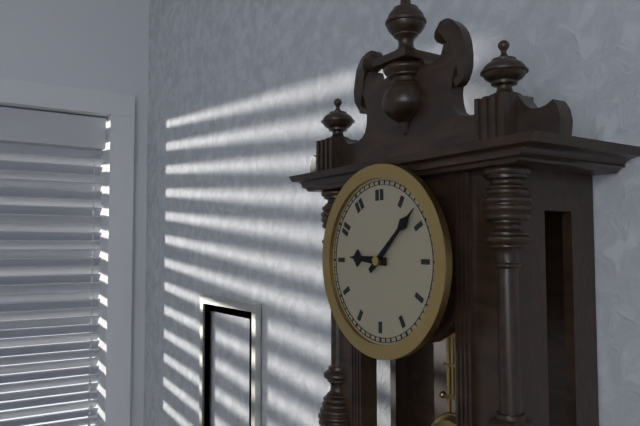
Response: 9:08
